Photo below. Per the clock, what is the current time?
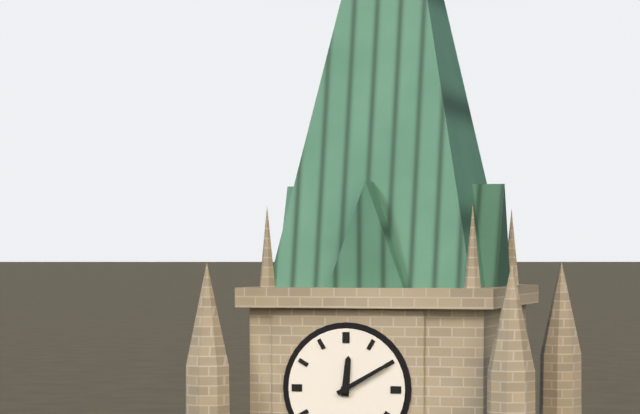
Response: 12:10
